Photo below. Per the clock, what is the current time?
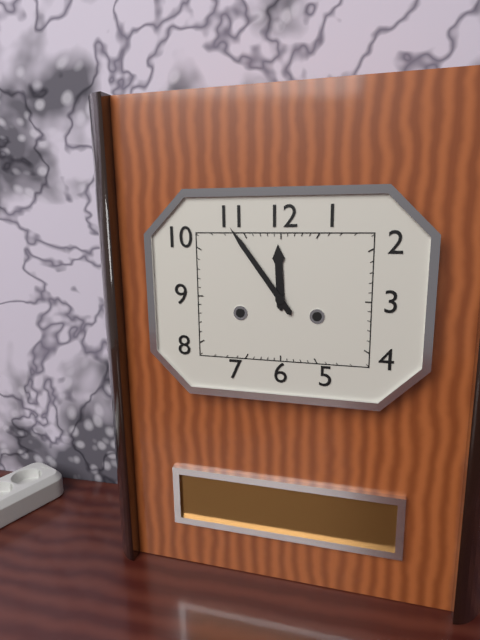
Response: 11:54
